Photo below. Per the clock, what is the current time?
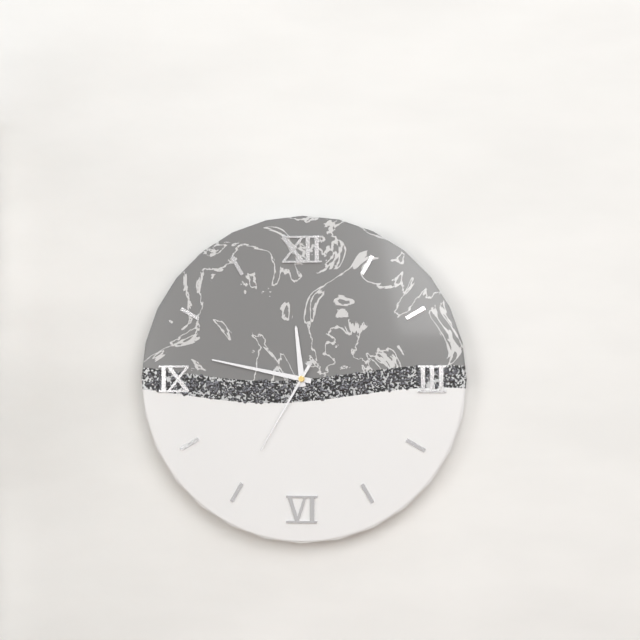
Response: 11:47:35
